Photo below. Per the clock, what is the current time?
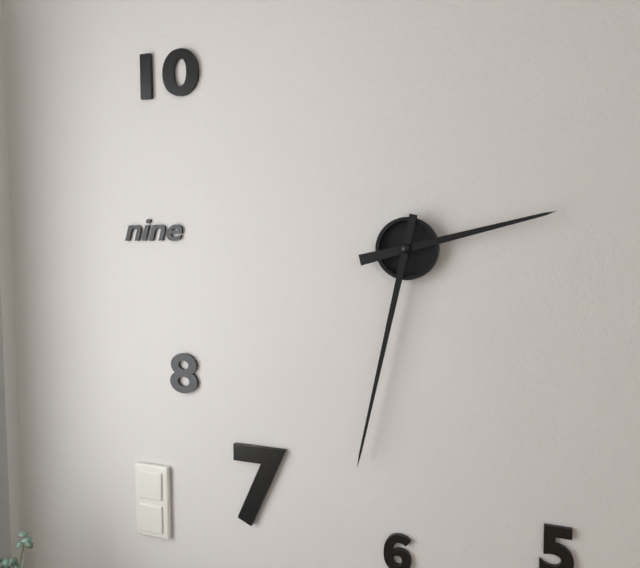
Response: 2:32
